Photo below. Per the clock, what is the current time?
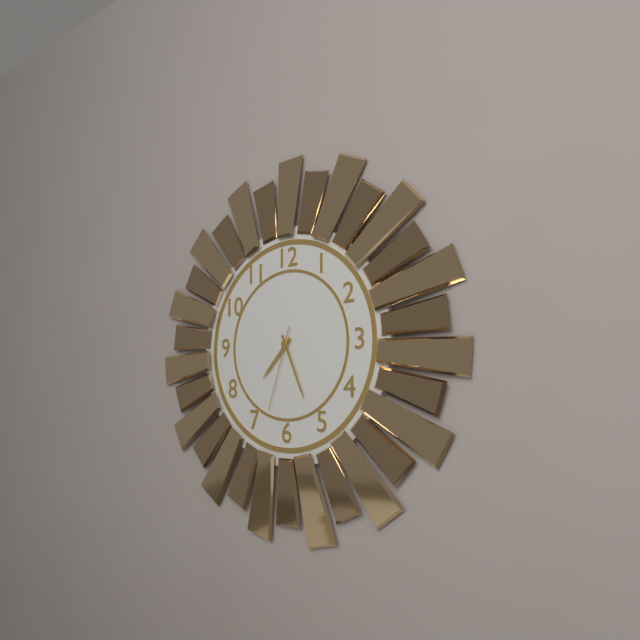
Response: 7:26:33
